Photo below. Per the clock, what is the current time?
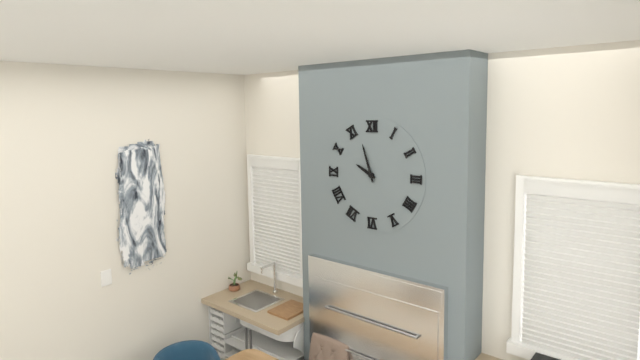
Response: 9:57
